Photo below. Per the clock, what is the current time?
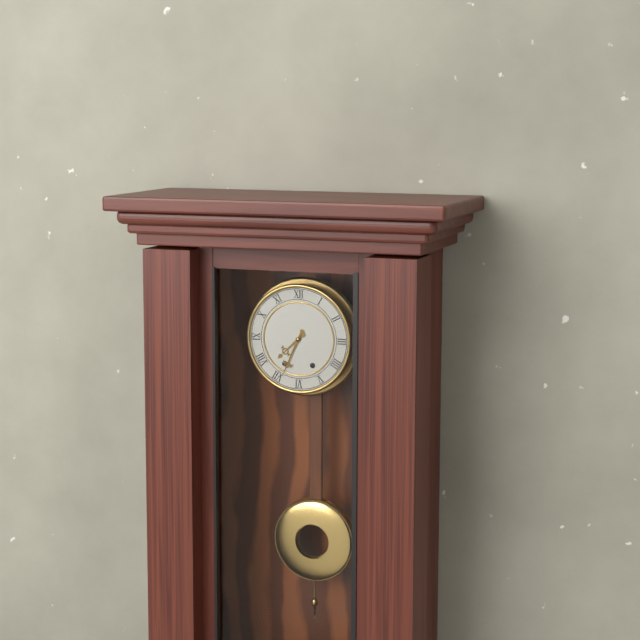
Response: 7:34
